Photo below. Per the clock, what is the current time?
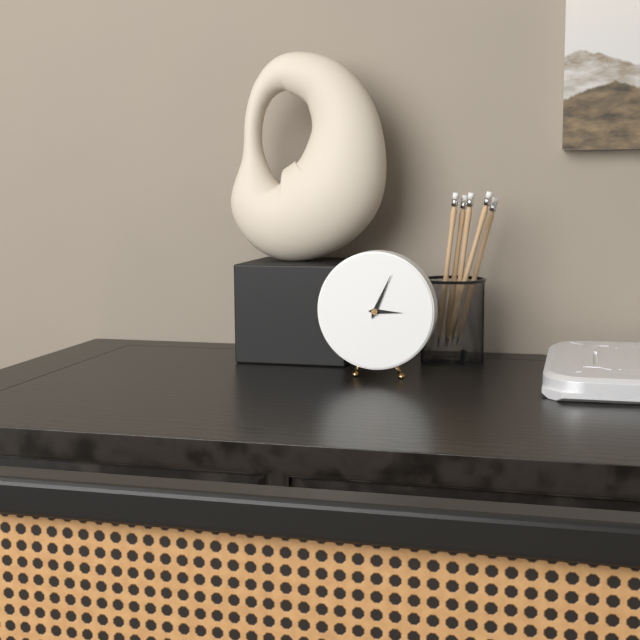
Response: 3:04
